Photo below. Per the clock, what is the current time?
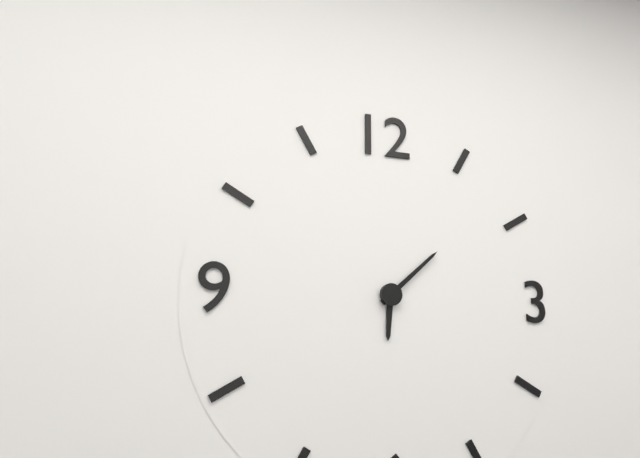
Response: 6:08
